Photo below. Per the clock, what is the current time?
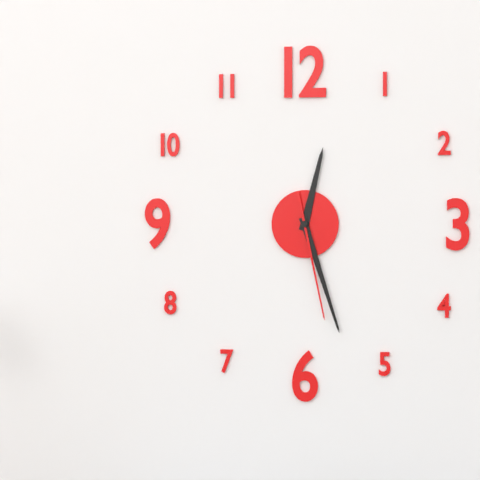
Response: 12:27:28
